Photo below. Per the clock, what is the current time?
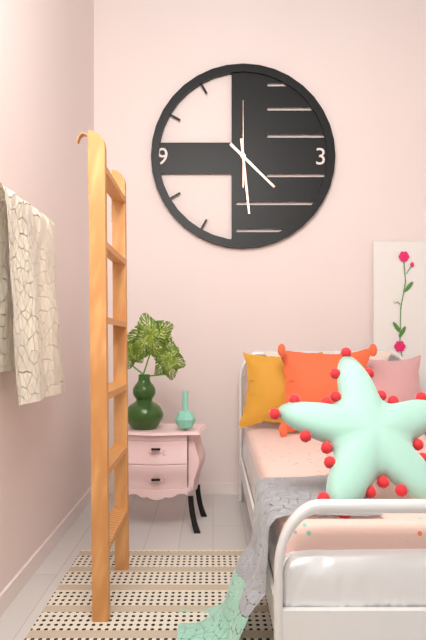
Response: 4:29:00
